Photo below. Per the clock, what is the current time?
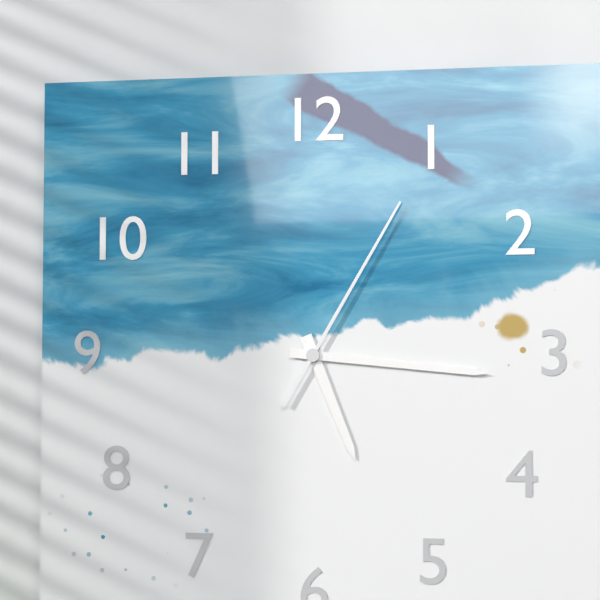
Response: 5:16:05
